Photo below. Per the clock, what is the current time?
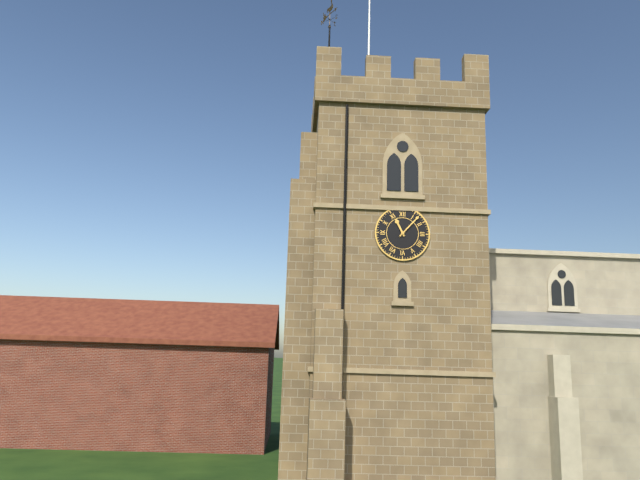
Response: 11:07
